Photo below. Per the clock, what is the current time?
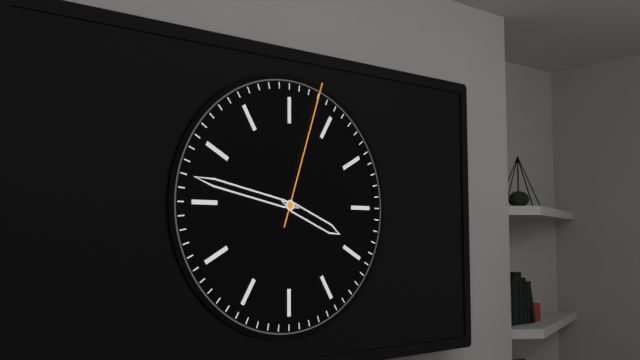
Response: 3:47:03
